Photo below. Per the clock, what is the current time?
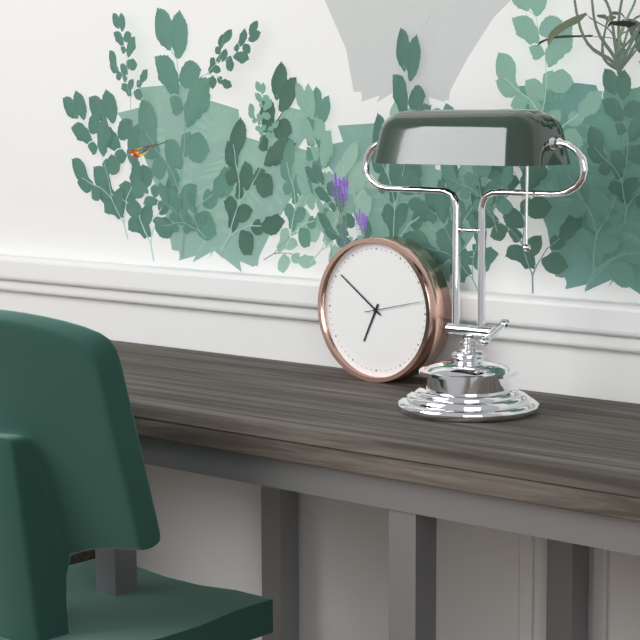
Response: 6:51:13
